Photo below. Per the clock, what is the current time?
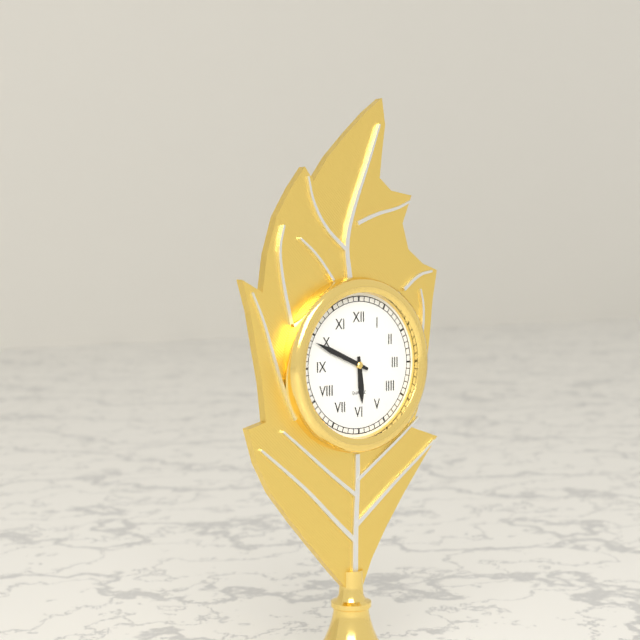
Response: 5:49
